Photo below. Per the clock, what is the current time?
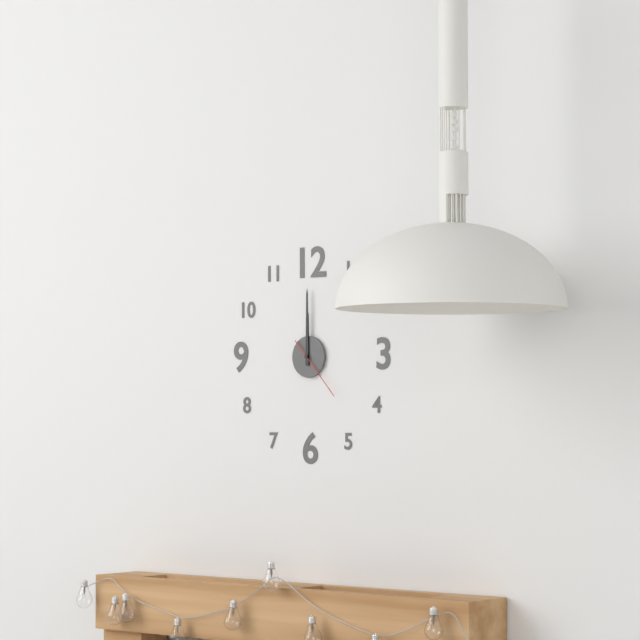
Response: 12:00:23
